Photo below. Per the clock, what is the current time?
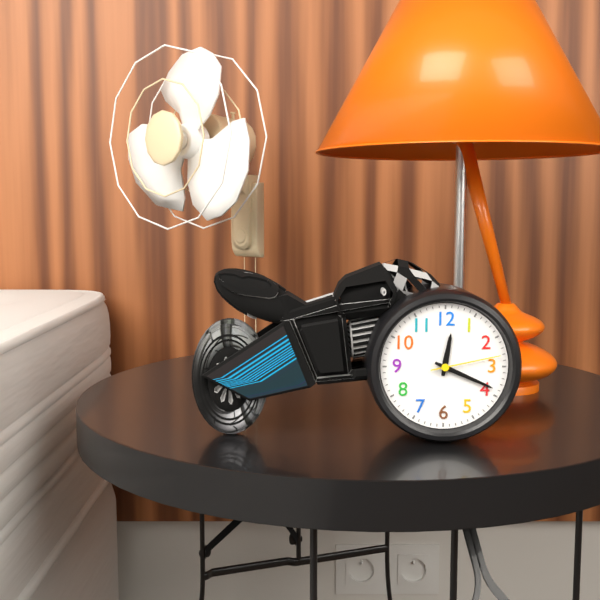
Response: 12:19:13
